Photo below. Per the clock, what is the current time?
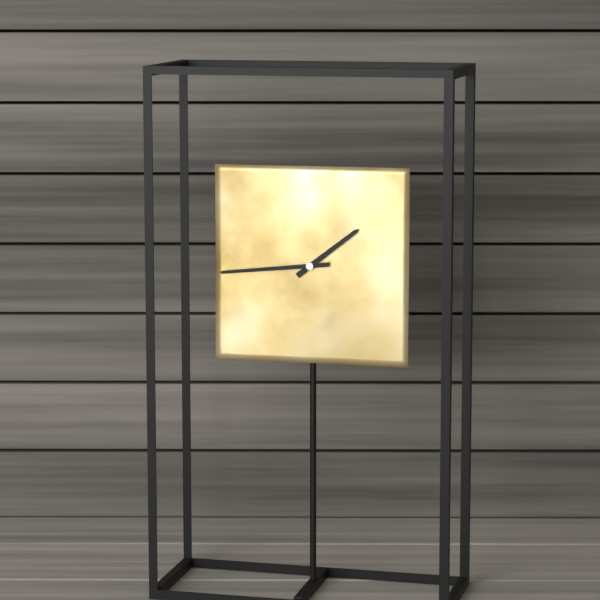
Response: 1:44
